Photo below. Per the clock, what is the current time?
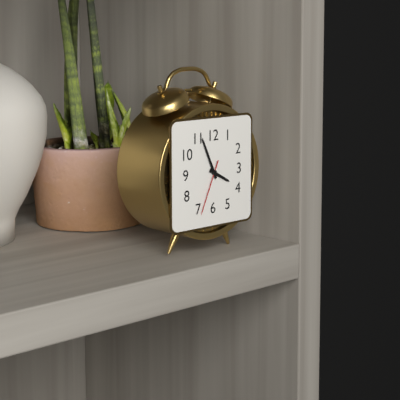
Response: 3:56:34
